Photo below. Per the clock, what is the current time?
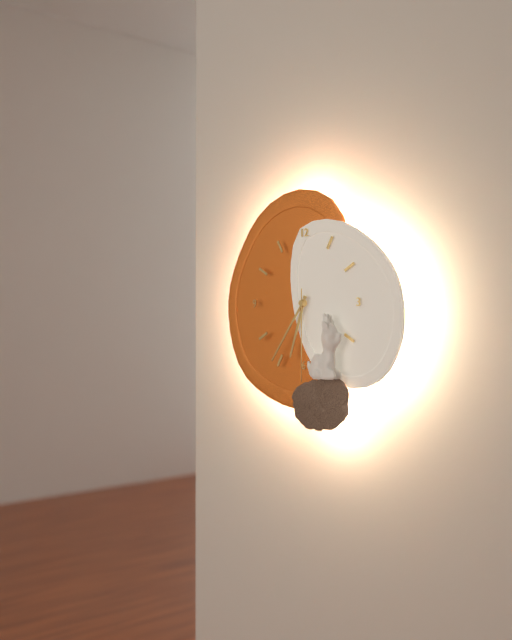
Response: 6:36:30
